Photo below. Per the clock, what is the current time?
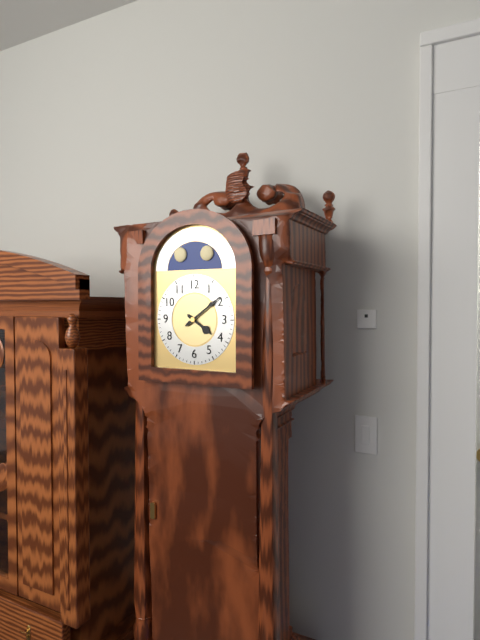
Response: 4:09
